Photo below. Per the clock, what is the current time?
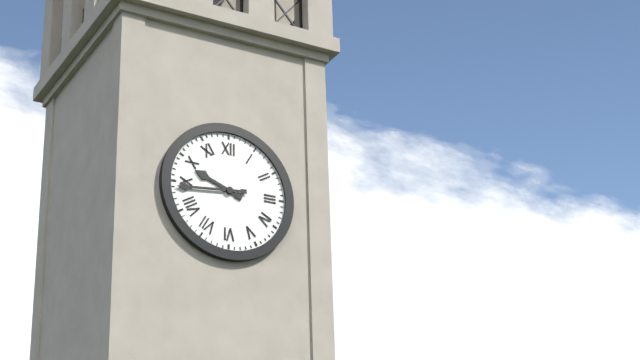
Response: 9:44
